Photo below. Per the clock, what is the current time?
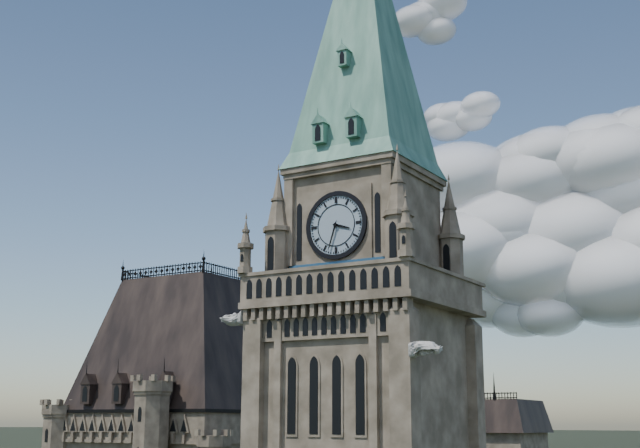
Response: 3:33
